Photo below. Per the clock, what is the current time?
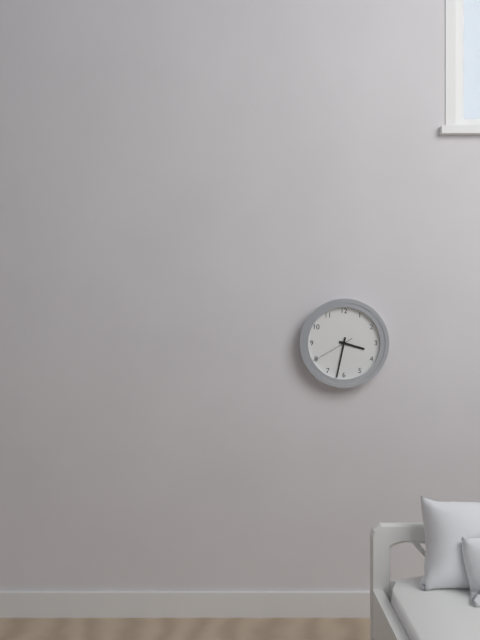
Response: 3:32
